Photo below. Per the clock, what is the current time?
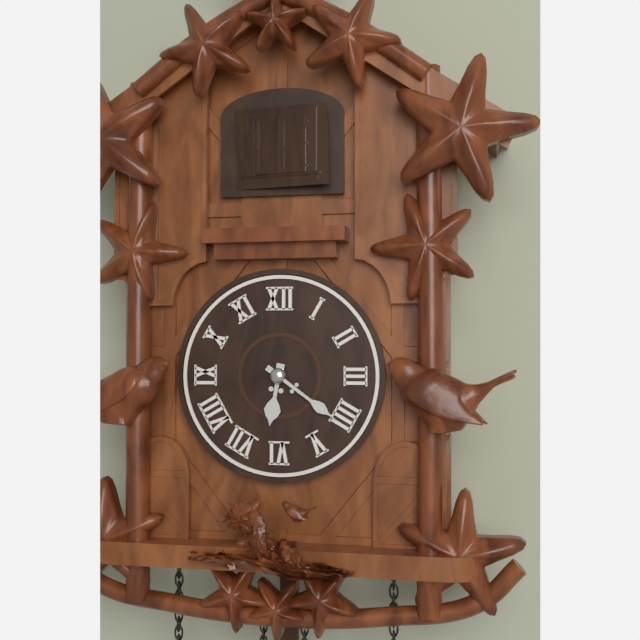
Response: 6:21
